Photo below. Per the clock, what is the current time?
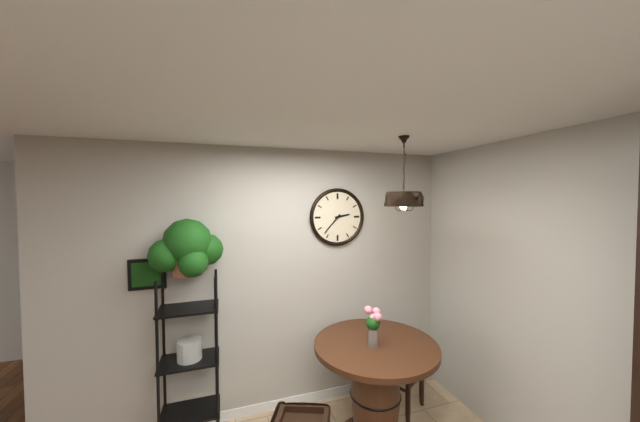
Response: 2:37
